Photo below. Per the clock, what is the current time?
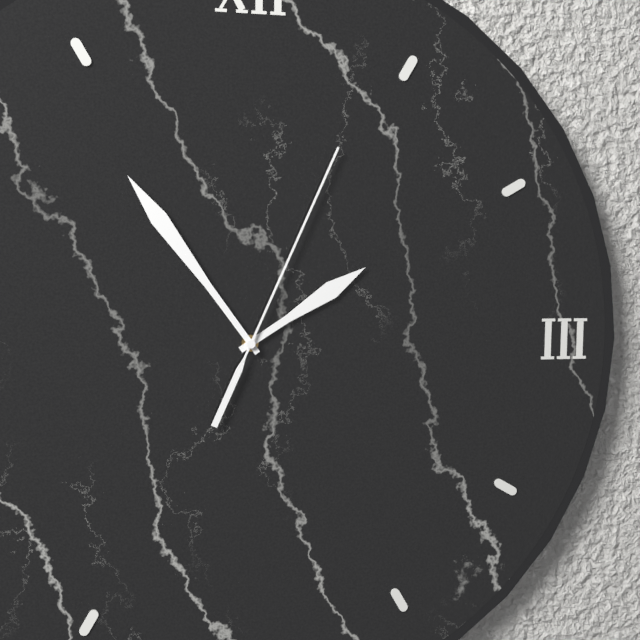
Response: 1:54:04
